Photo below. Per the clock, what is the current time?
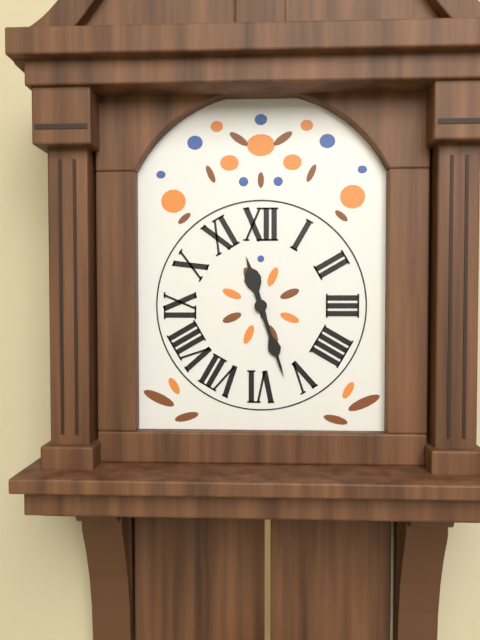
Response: 11:27
